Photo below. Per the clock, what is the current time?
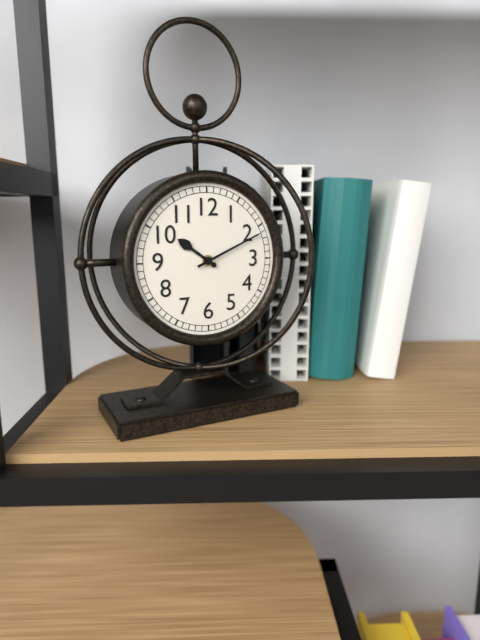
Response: 10:11
